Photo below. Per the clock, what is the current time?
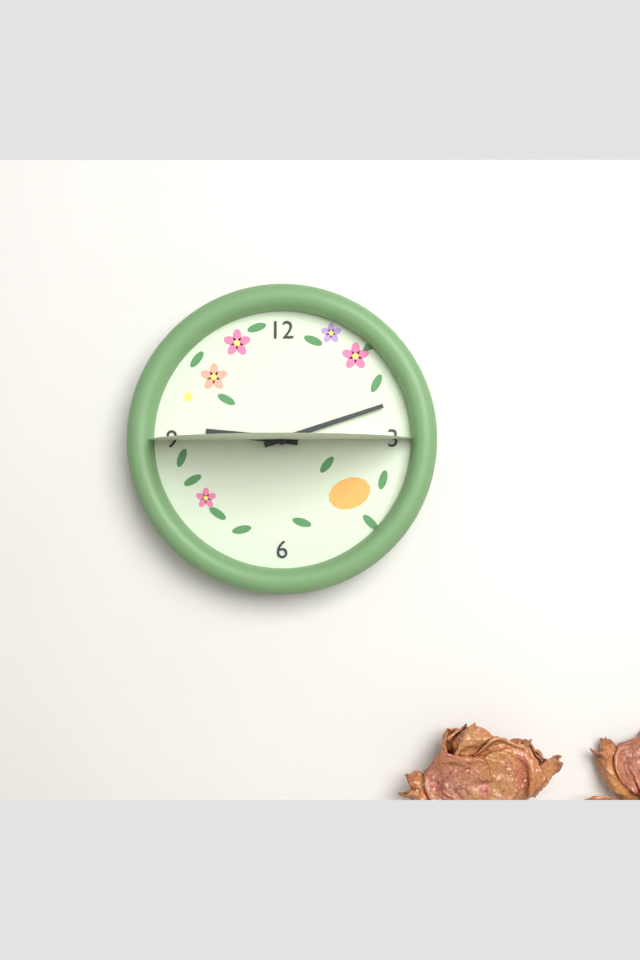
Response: 9:12
